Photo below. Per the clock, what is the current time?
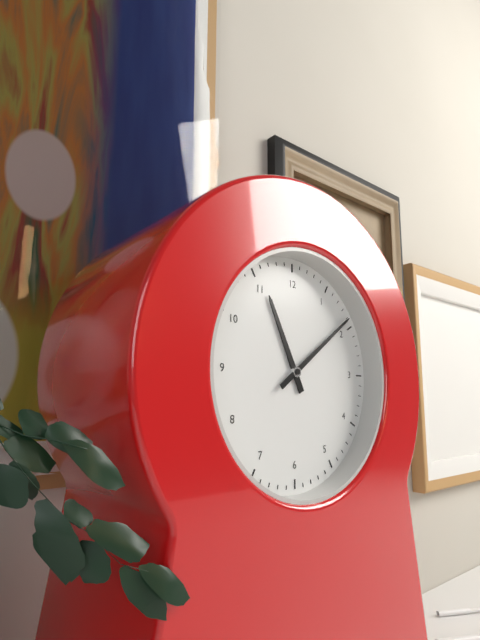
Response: 11:09
